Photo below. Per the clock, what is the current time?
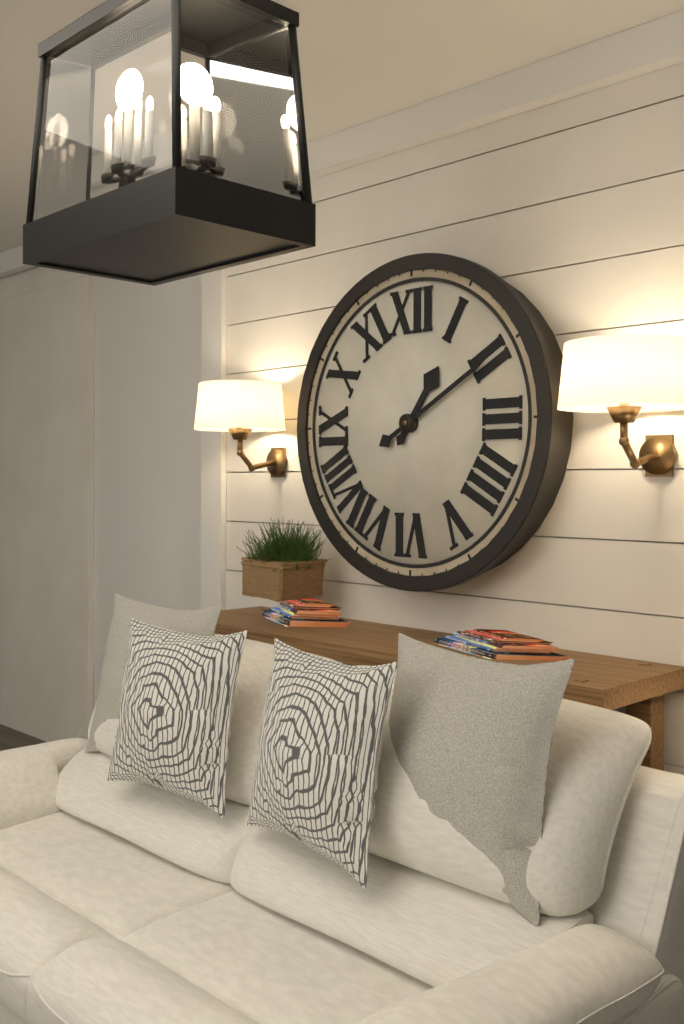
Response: 1:10
